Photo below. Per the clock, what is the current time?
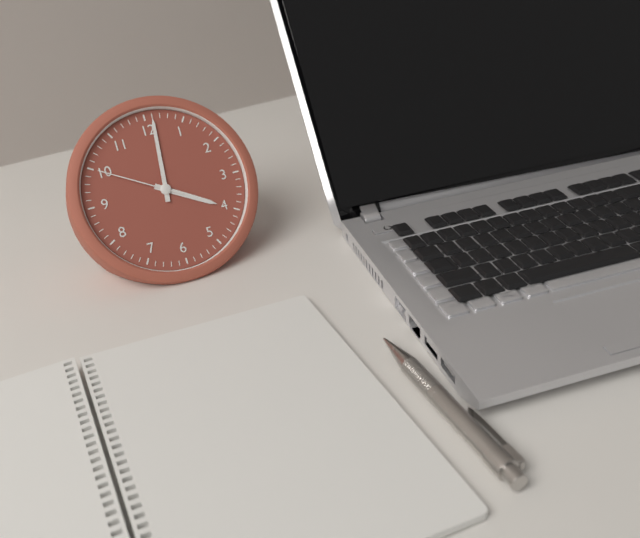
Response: 4:01:50
